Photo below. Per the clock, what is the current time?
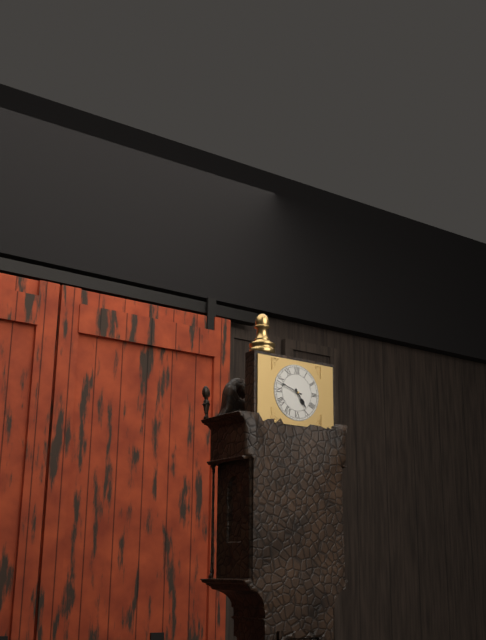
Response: 4:48
